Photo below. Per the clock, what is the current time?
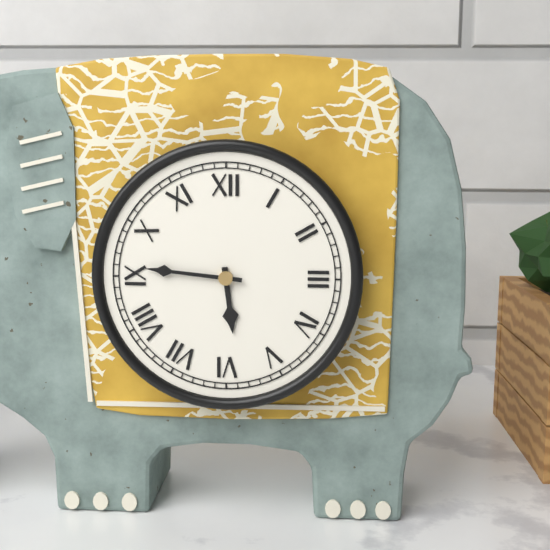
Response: 5:46
